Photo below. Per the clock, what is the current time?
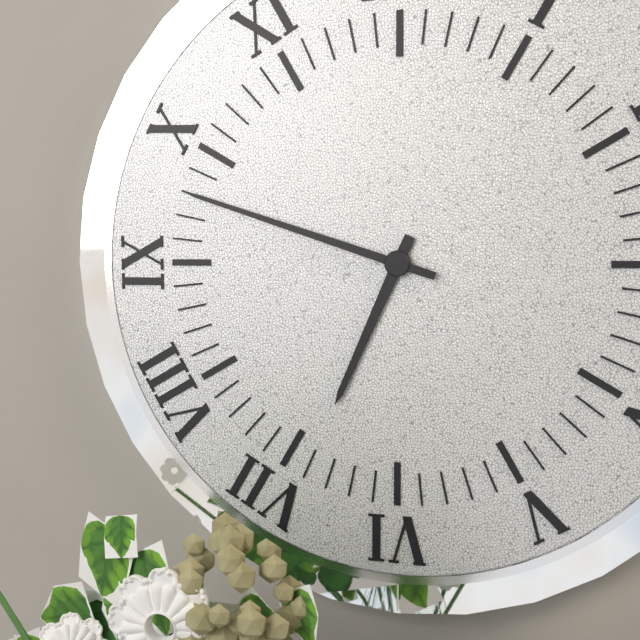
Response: 6:48
